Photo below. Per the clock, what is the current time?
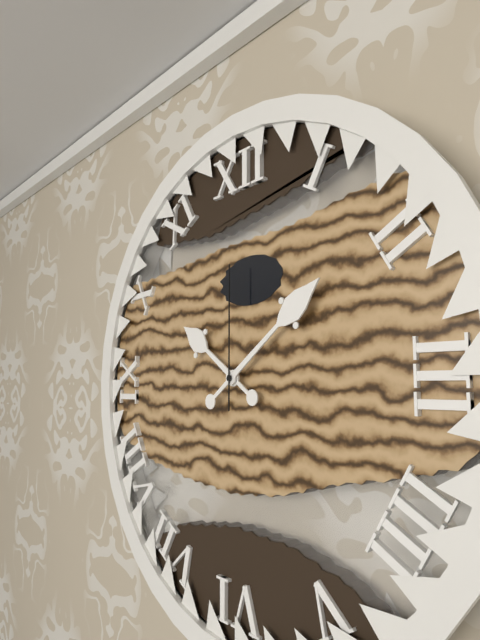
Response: 10:09:00
